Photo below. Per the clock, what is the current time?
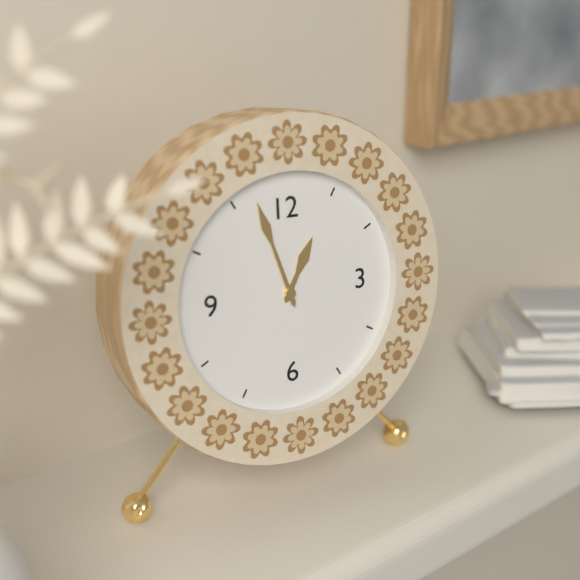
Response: 12:57
